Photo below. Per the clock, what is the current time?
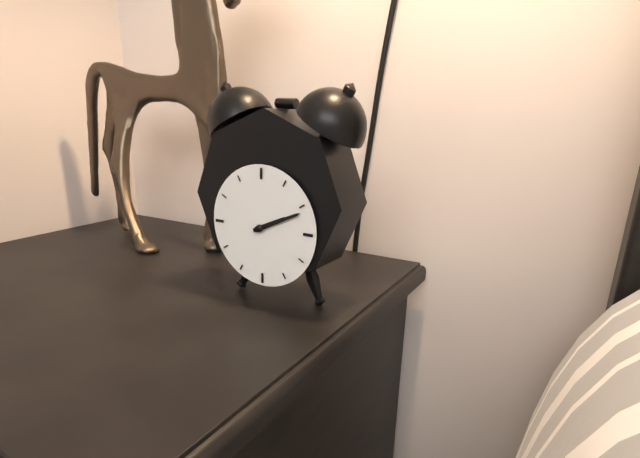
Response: 2:11
